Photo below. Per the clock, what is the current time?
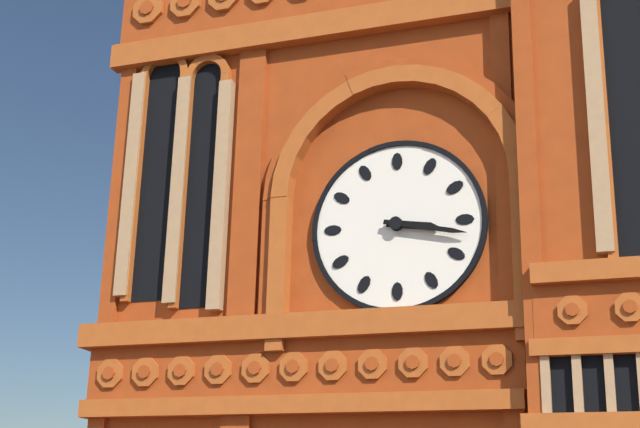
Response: 3:17
